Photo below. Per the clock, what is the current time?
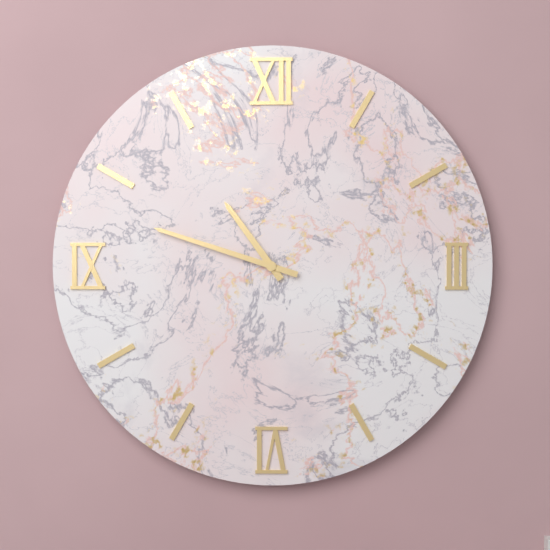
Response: 10:48
